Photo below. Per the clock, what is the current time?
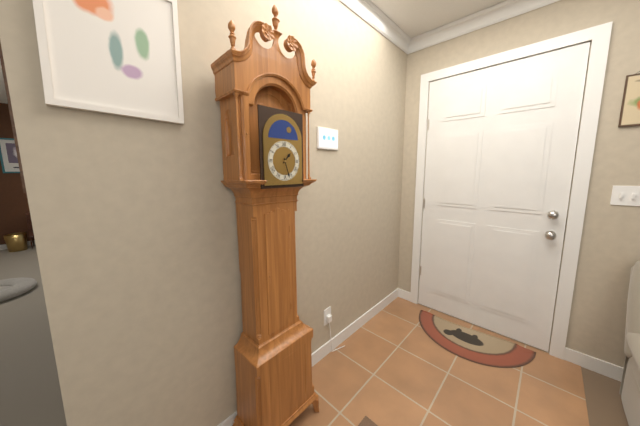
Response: 1:27
